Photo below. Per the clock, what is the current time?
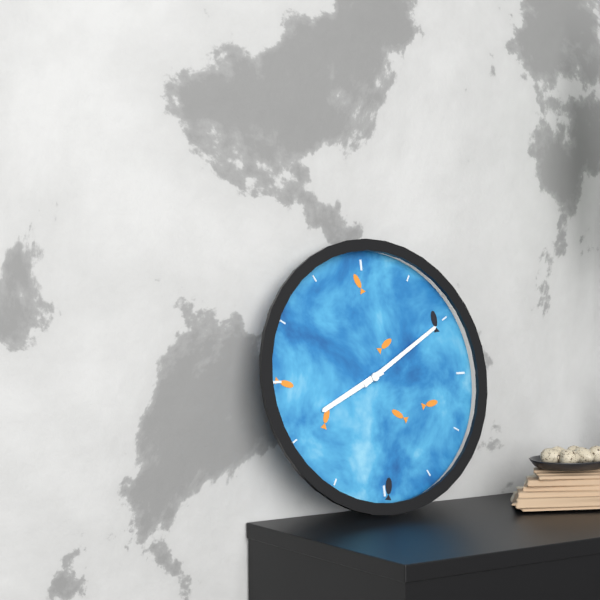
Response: 8:10
